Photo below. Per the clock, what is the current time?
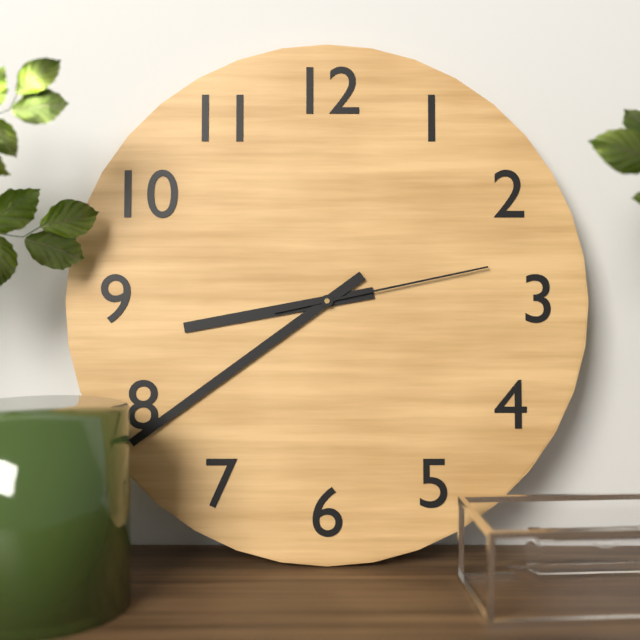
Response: 8:39:13
